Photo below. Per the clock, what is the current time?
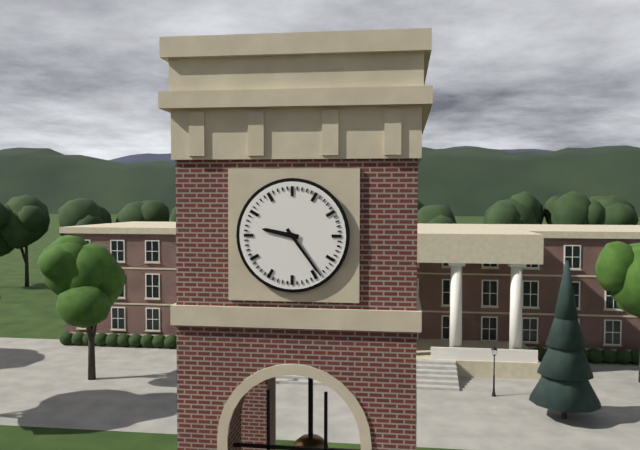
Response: 9:24
